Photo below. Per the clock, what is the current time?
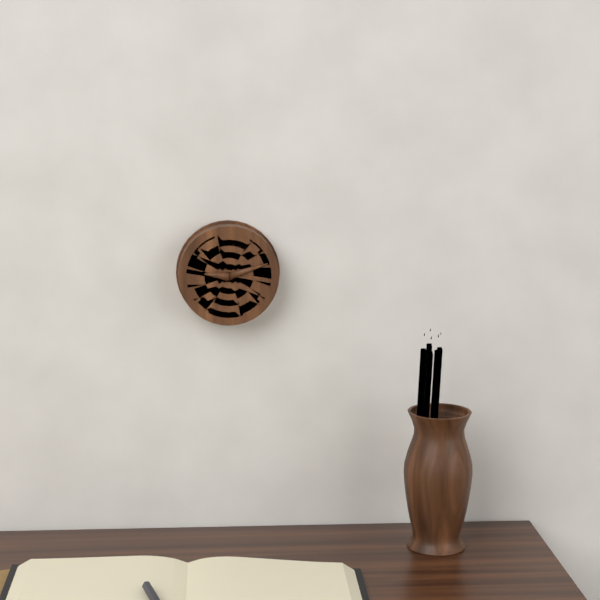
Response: 9:12
